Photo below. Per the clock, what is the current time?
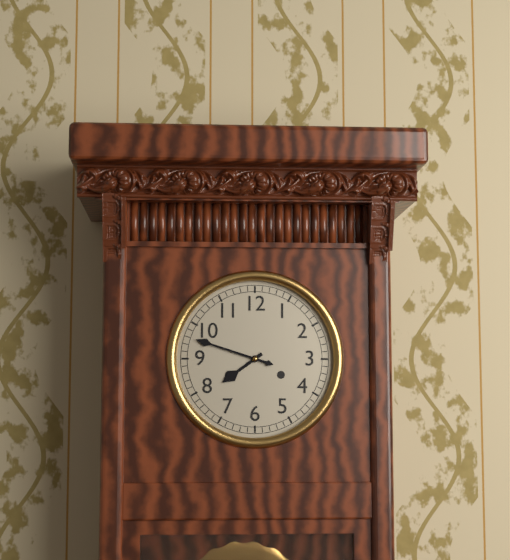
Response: 7:48
